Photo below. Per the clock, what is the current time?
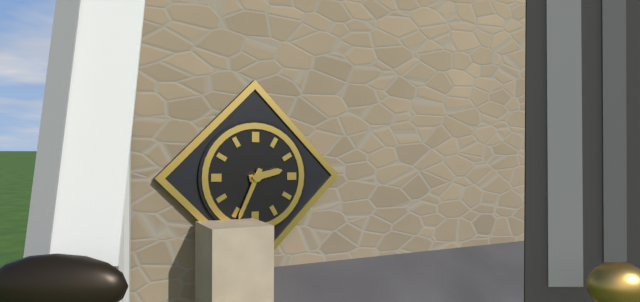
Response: 2:34
